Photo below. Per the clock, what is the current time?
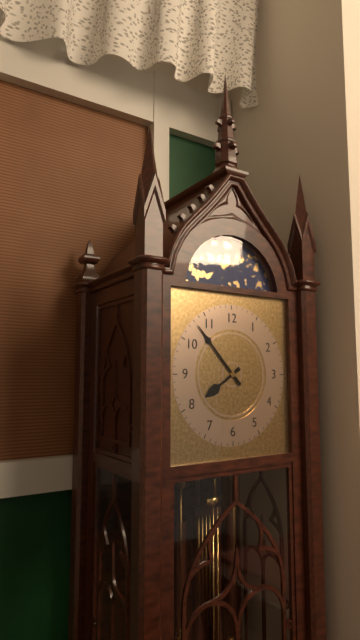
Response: 7:53
